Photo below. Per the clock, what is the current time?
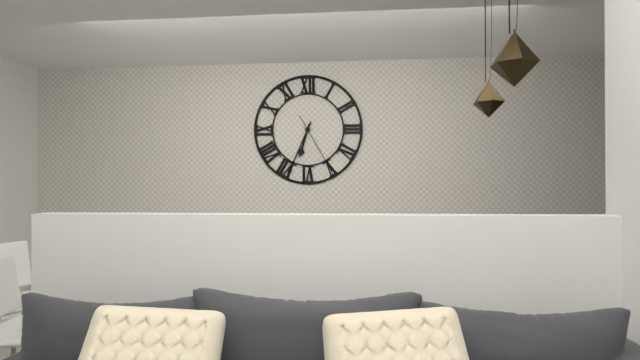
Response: 6:34:25
